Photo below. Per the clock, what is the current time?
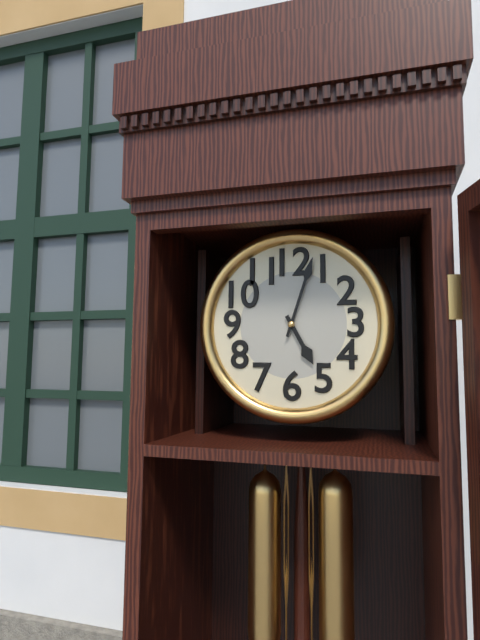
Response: 5:03
